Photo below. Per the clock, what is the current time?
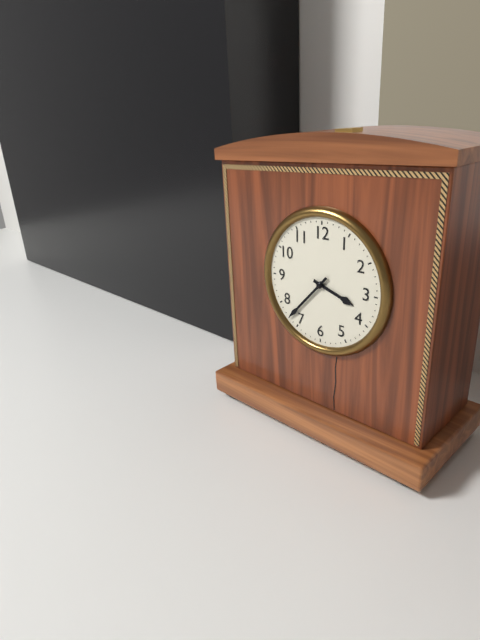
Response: 3:37
